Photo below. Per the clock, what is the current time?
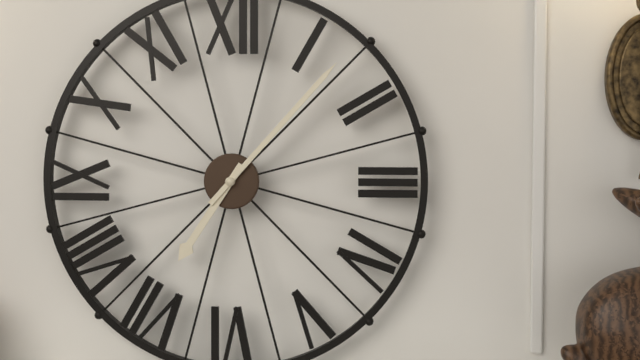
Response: 7:07
